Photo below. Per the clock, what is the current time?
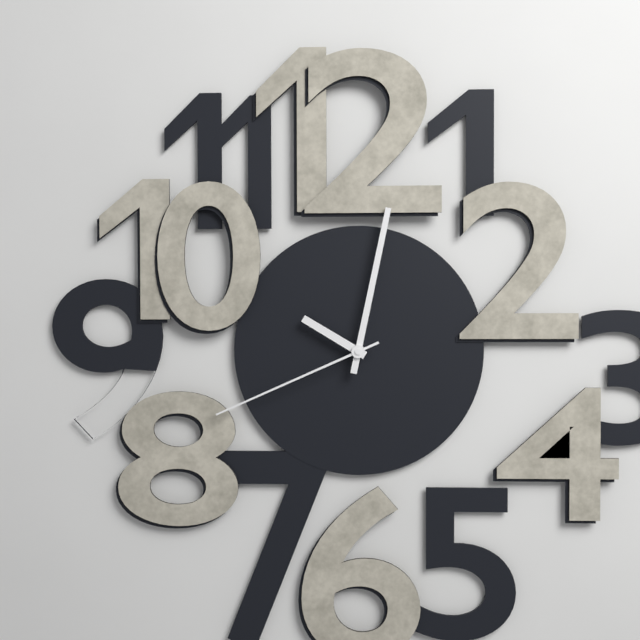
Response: 10:02:41
